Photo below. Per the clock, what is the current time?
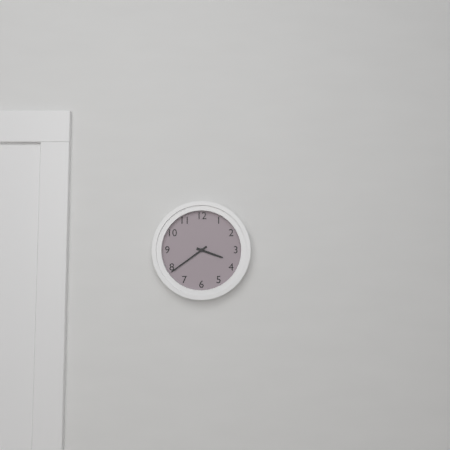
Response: 3:39
